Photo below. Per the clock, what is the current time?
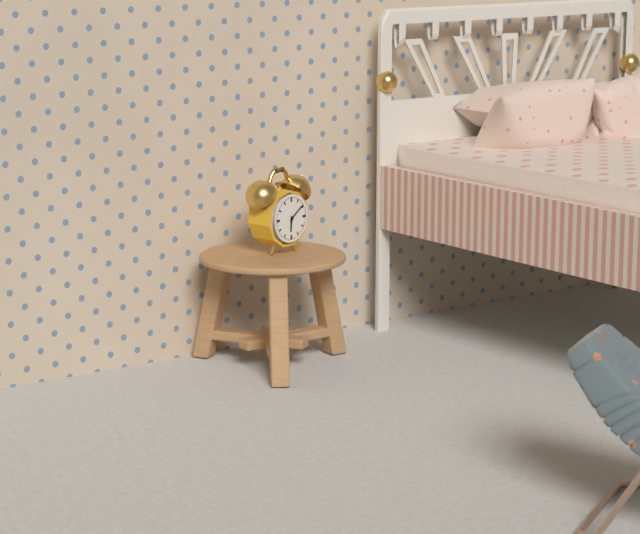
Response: 6:09
